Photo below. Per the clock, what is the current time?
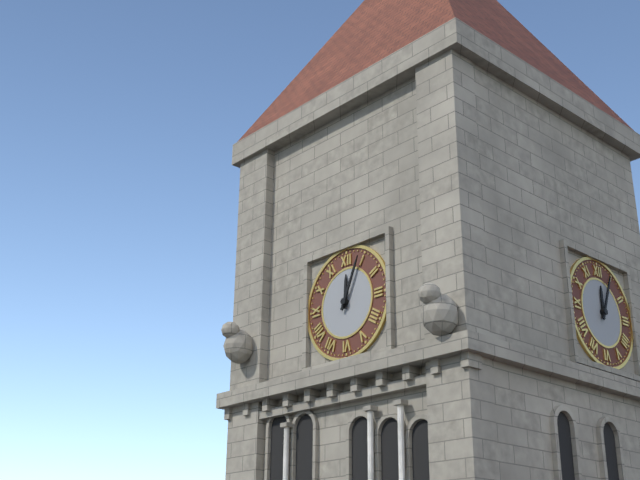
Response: 12:04
